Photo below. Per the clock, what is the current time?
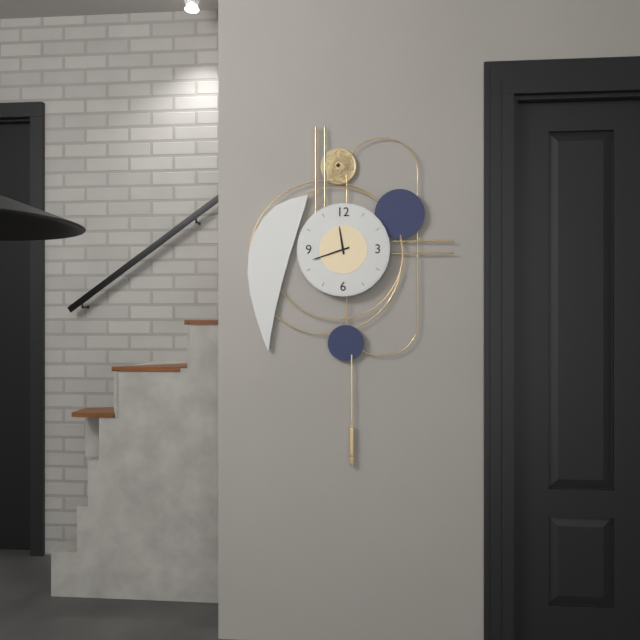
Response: 11:42
